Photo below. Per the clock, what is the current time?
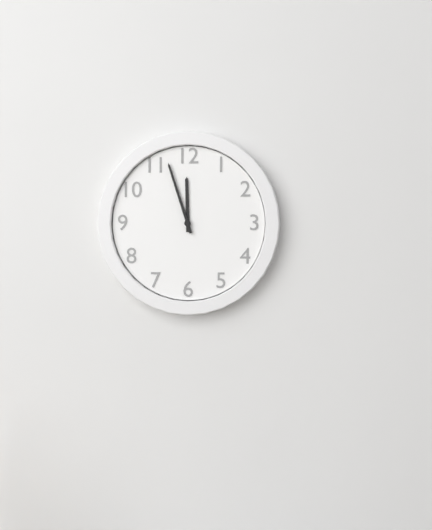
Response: 11:57
